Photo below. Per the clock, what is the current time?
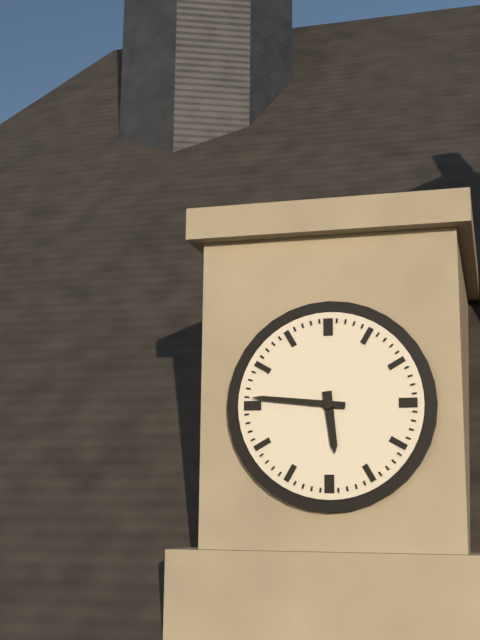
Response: 5:46
